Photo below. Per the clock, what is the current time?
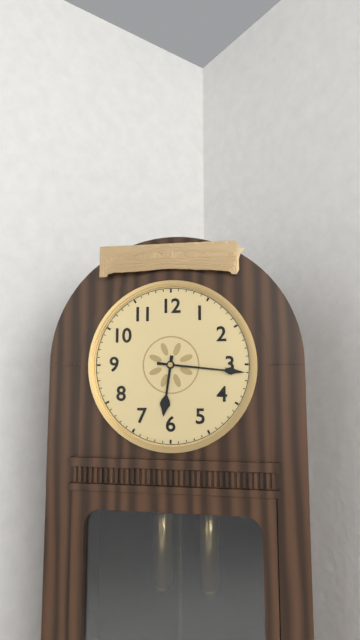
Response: 6:16
